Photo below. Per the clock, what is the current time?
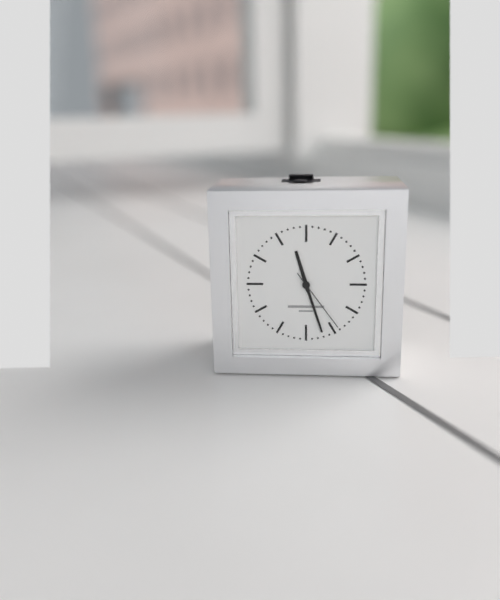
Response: 11:27:24
